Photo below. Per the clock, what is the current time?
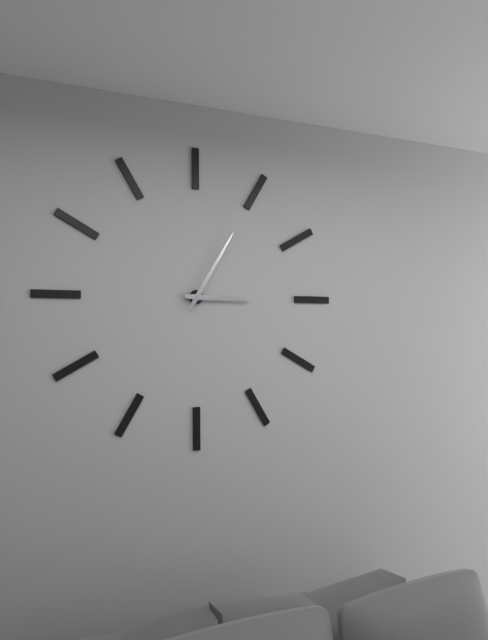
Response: 3:05
